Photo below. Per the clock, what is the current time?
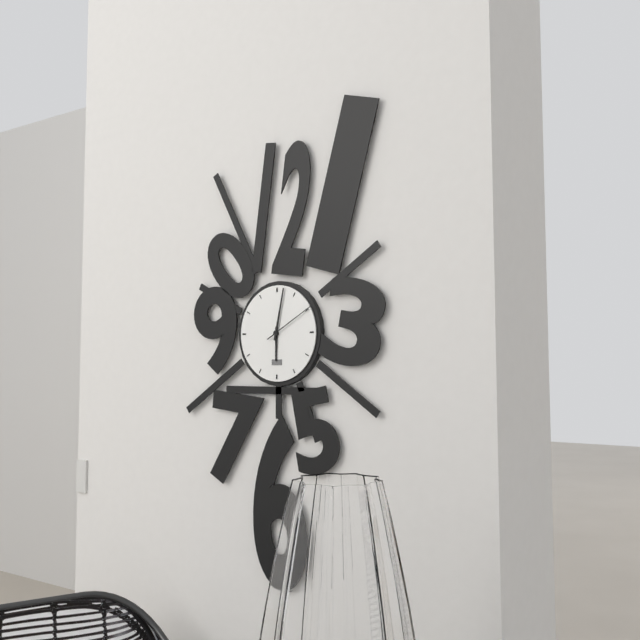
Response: 6:02:10
